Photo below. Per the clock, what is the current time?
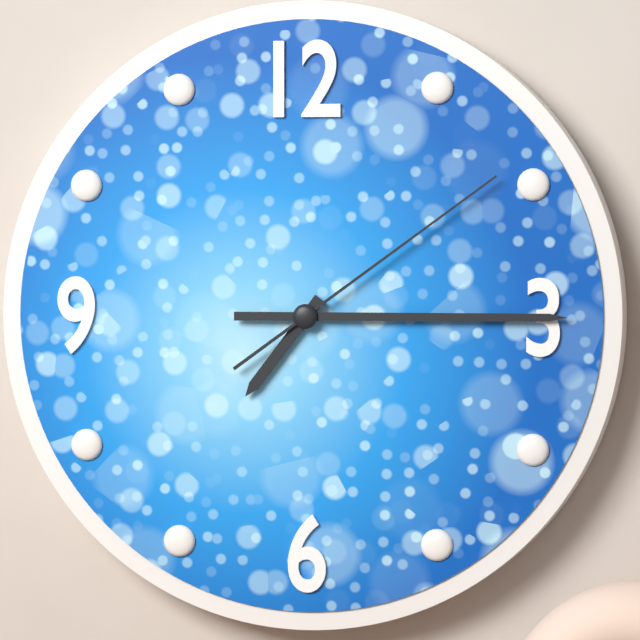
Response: 7:15:09
